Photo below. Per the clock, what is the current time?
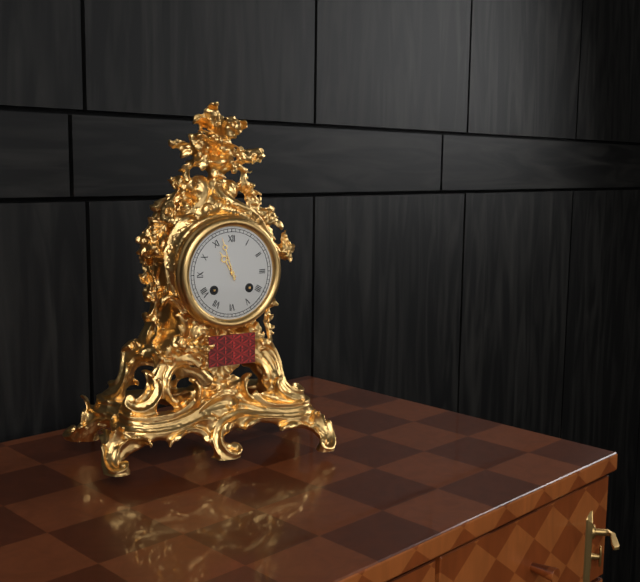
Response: 10:57
